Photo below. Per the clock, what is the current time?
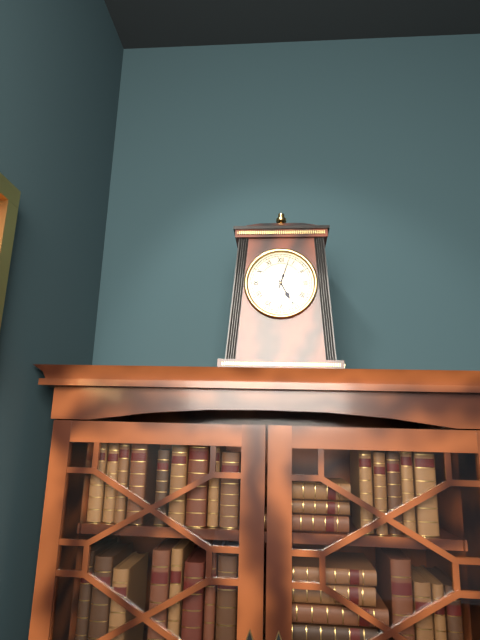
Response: 5:03
